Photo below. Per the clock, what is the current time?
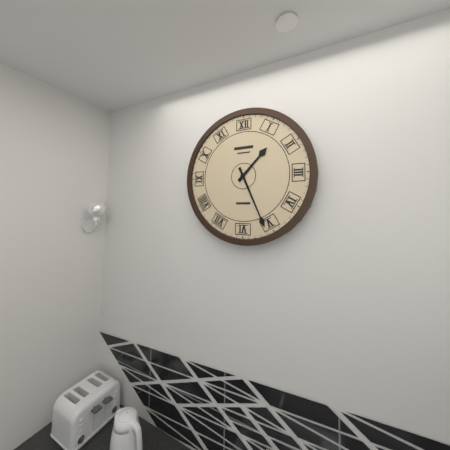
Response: 1:26
